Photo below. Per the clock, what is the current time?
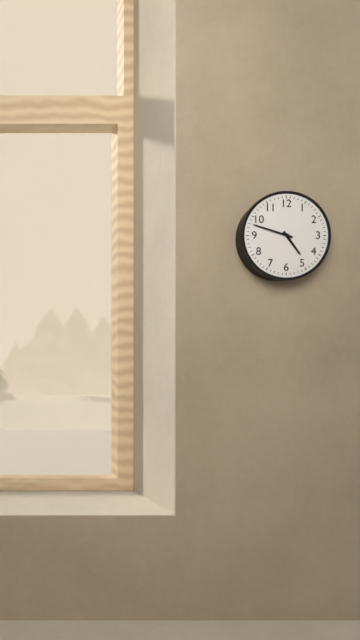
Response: 4:48
